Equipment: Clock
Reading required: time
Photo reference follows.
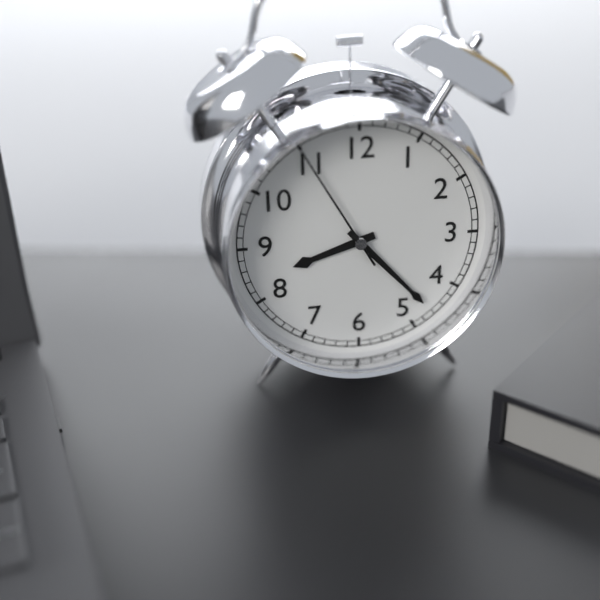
8:23:55
